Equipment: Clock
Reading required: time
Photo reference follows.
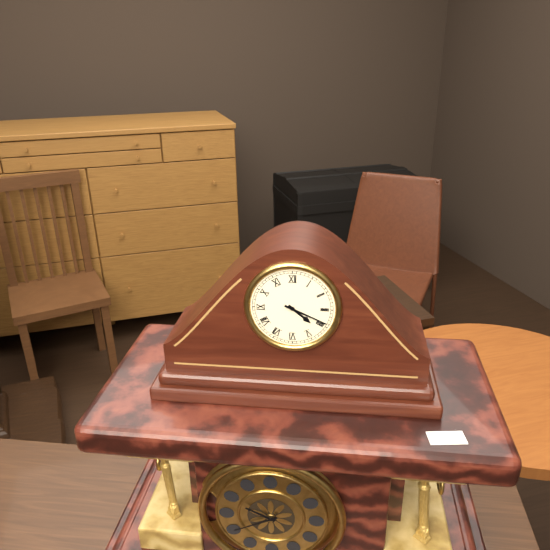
4:19
